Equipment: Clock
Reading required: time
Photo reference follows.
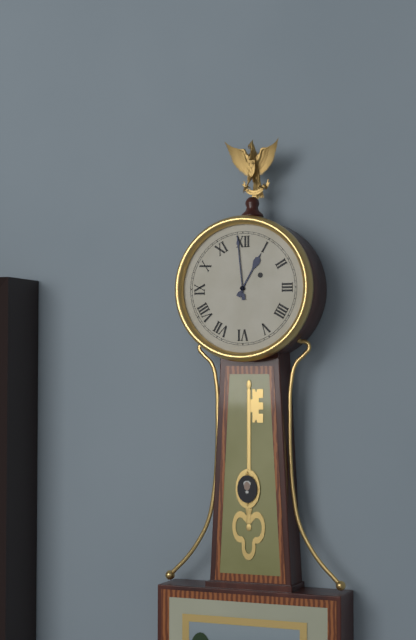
12:59
